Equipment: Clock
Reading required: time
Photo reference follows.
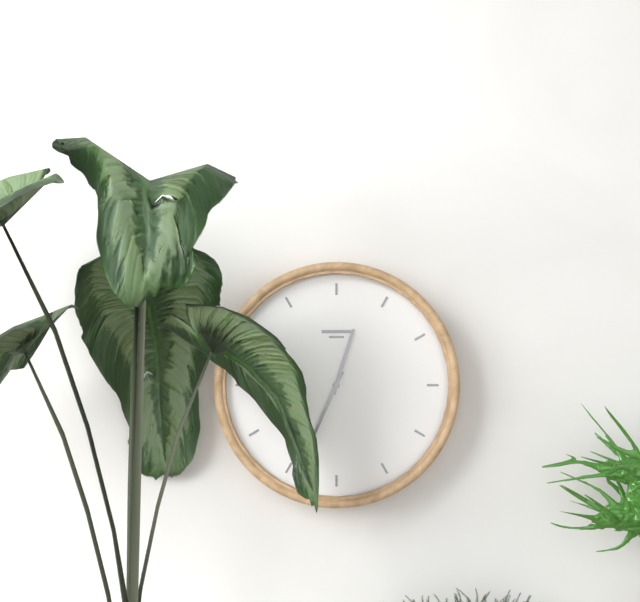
12:34
